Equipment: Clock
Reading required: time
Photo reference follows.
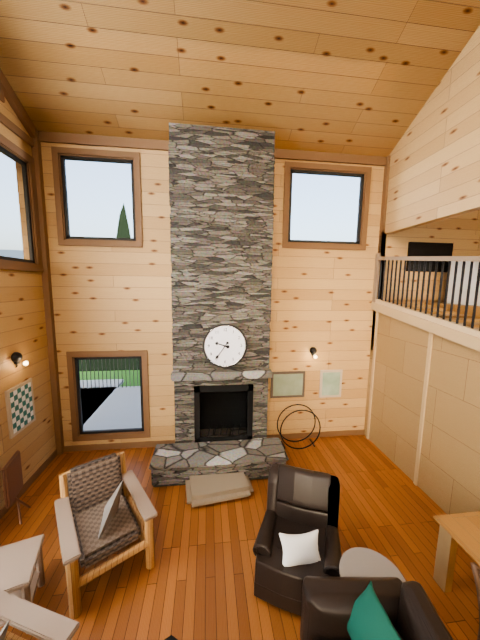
9:36
